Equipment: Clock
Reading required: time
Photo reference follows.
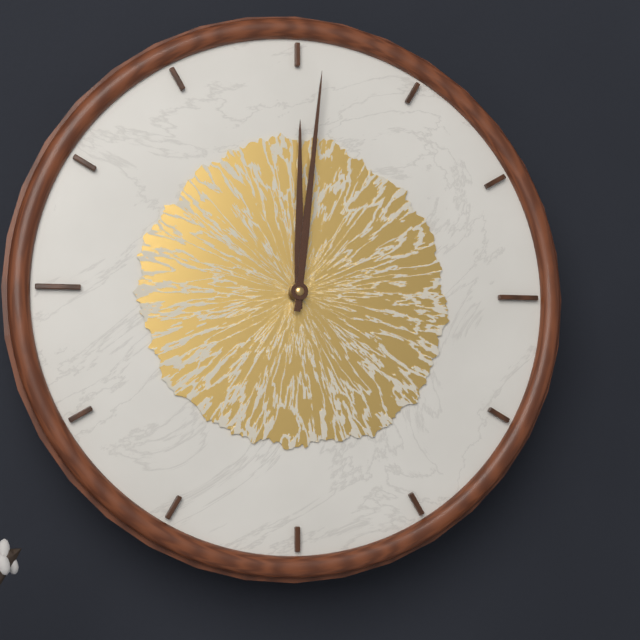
12:01
